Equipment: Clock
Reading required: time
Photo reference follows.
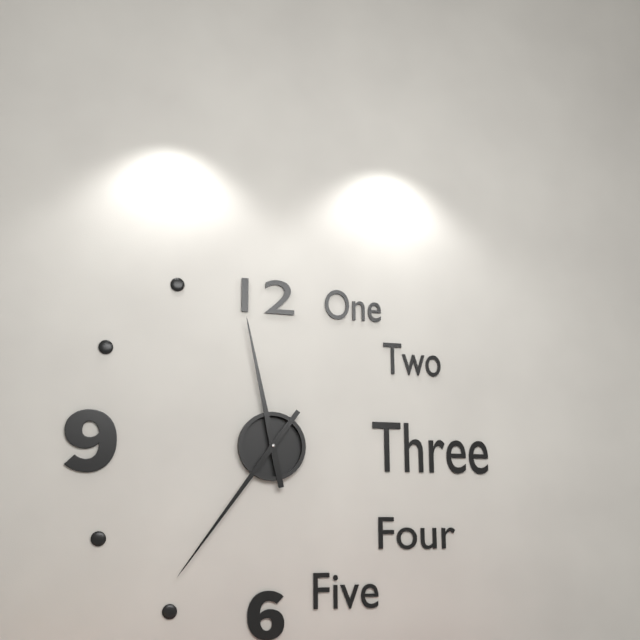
11:36
